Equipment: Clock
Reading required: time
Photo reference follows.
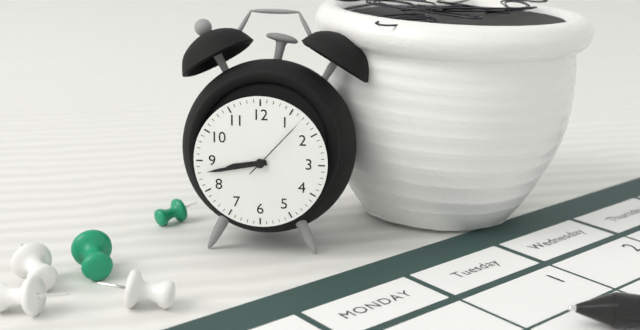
8:43:07
